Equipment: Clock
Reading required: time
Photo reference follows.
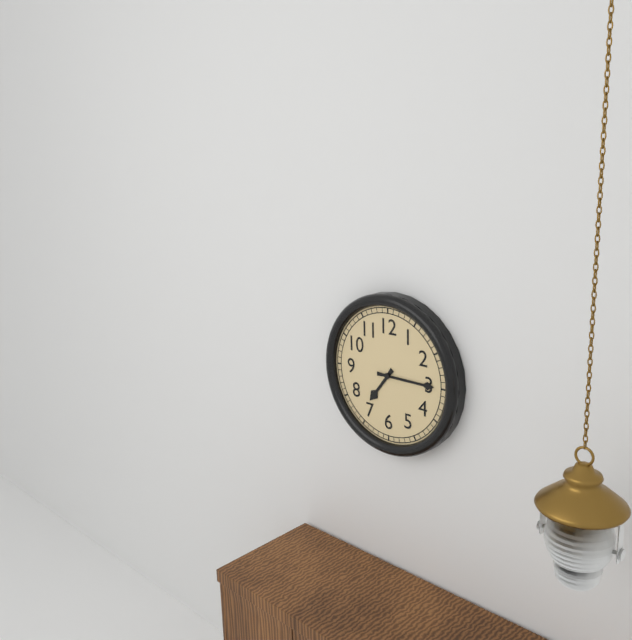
7:15
